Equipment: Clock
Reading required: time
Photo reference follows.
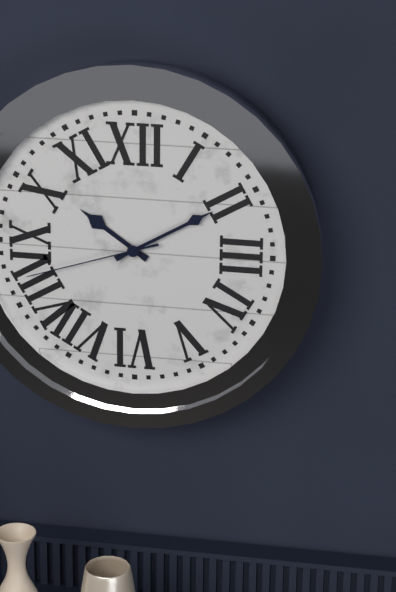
10:10:42
